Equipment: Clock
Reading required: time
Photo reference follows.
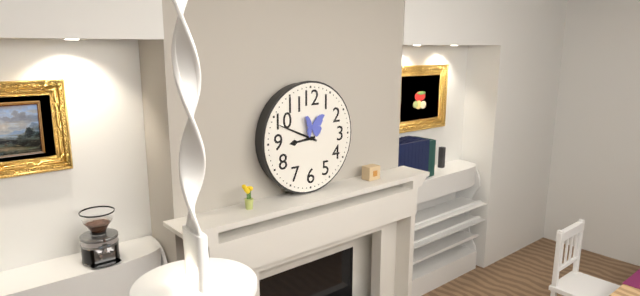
8:49
